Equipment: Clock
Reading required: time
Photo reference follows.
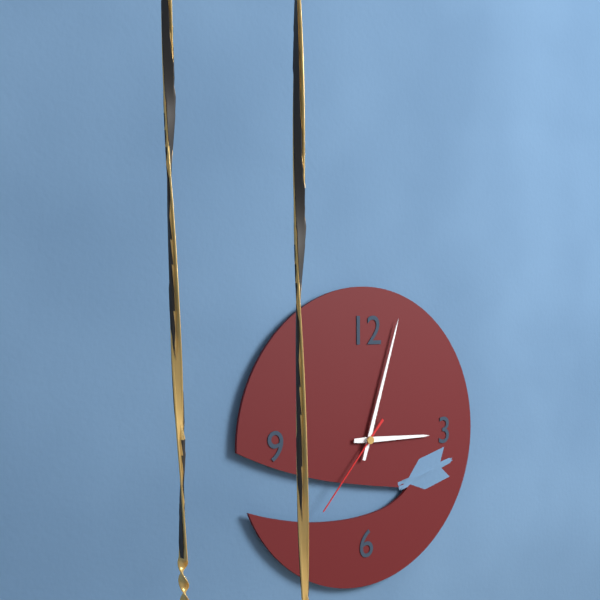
3:03:37
